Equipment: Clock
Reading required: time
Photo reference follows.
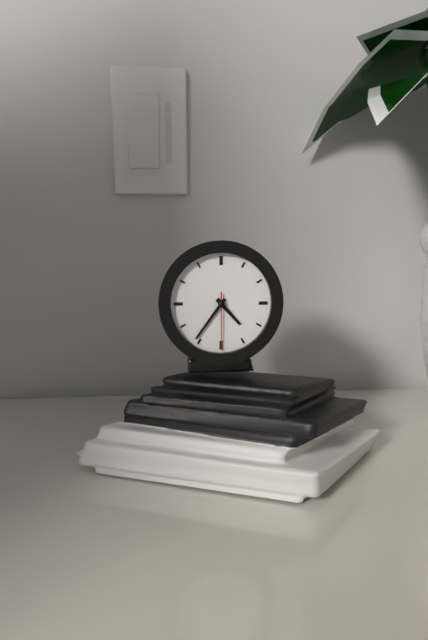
4:36:30
